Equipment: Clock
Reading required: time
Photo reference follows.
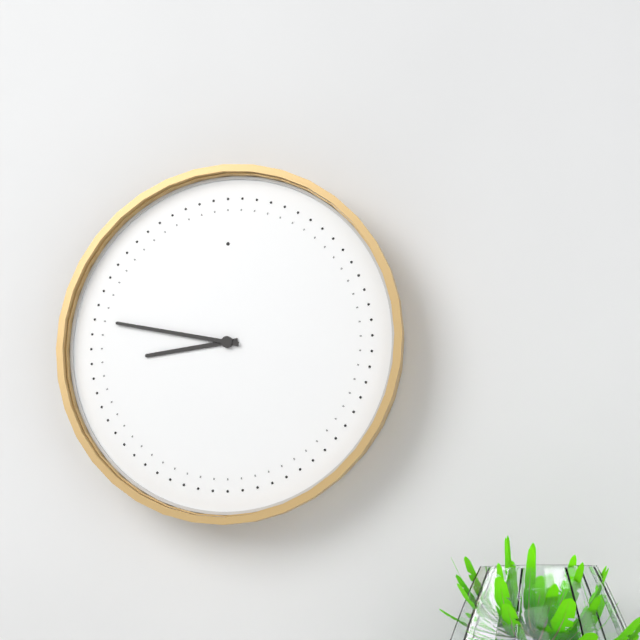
8:47
